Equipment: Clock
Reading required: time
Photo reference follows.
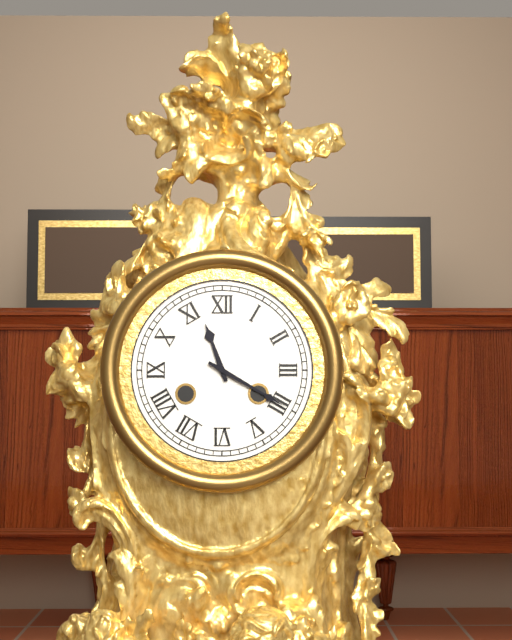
11:20
